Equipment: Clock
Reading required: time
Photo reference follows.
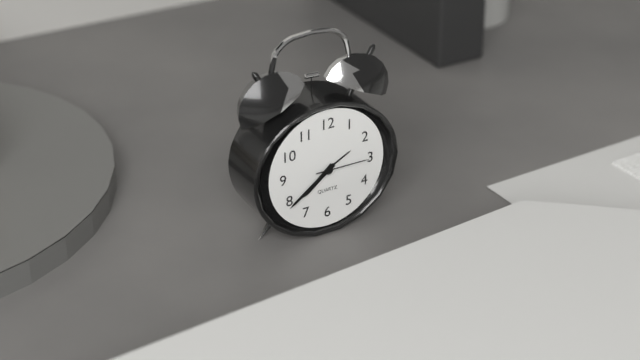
7:39:15
